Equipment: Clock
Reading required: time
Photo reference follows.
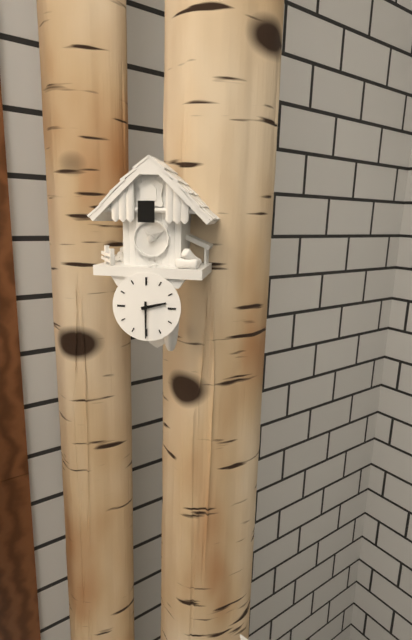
2:30
